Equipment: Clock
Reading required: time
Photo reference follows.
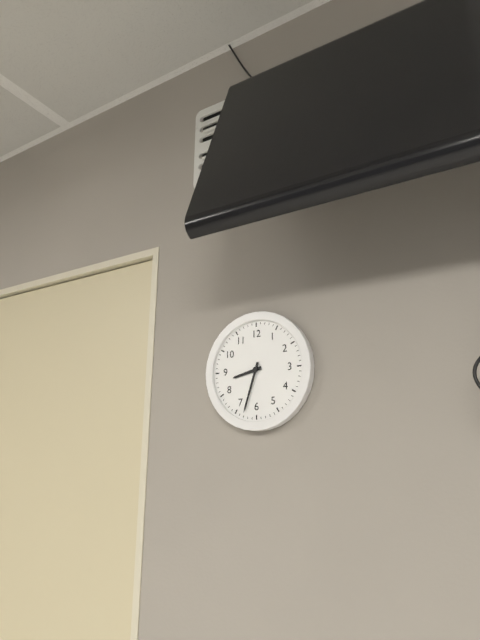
8:33
